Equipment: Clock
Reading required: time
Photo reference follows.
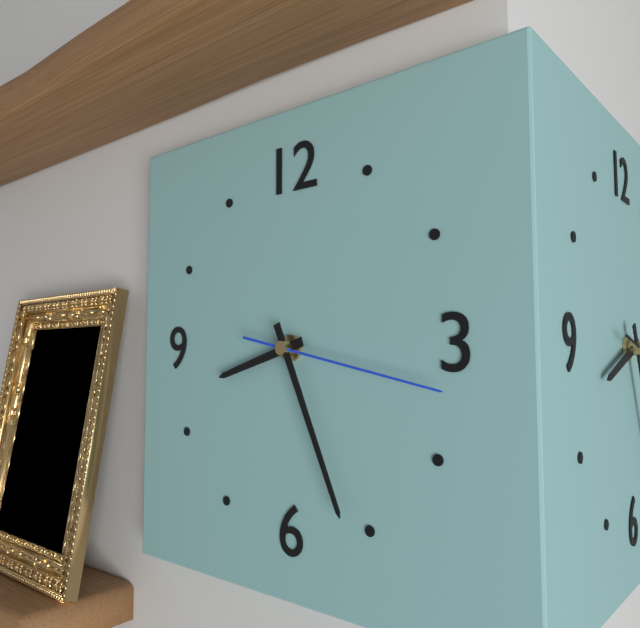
8:26:17
